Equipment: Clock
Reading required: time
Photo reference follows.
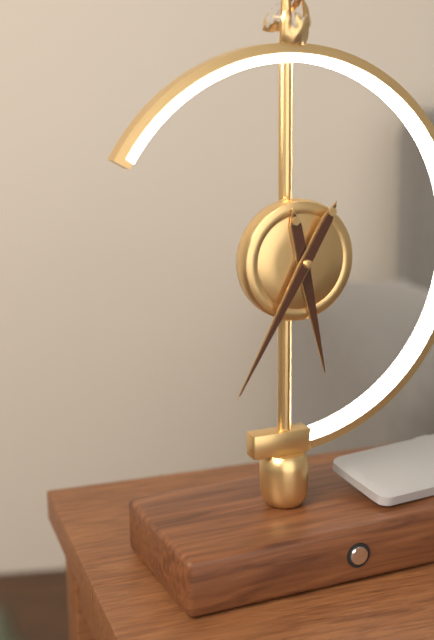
5:35
